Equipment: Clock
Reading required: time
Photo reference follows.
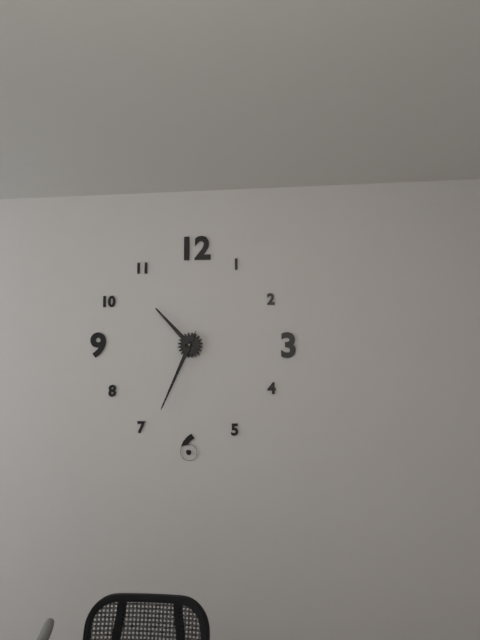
10:34
